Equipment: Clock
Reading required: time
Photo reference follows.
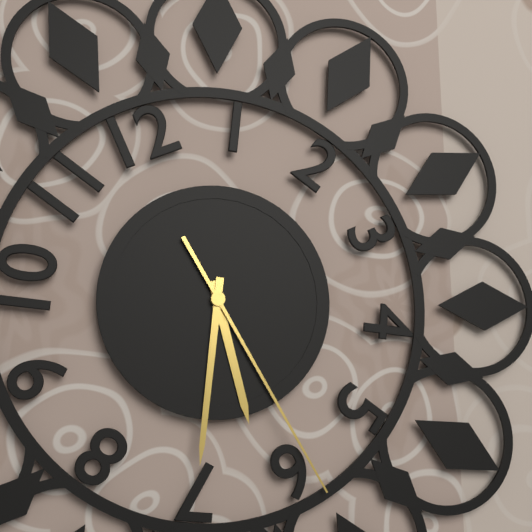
5:31:25
